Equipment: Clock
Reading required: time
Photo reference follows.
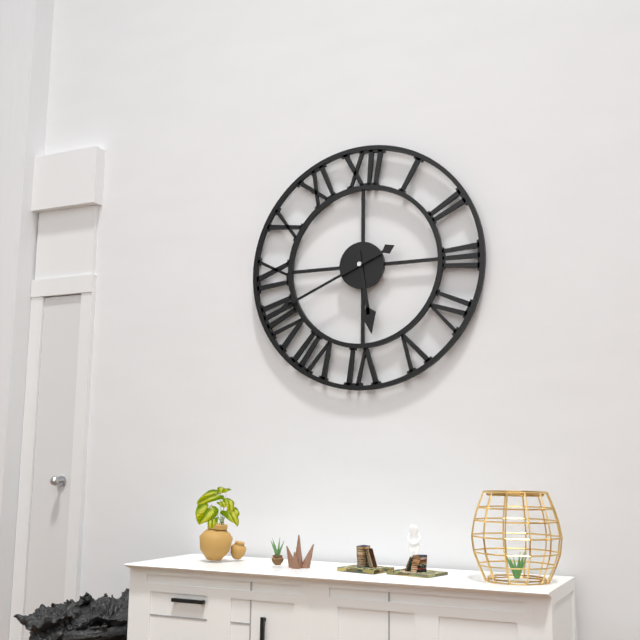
5:41
